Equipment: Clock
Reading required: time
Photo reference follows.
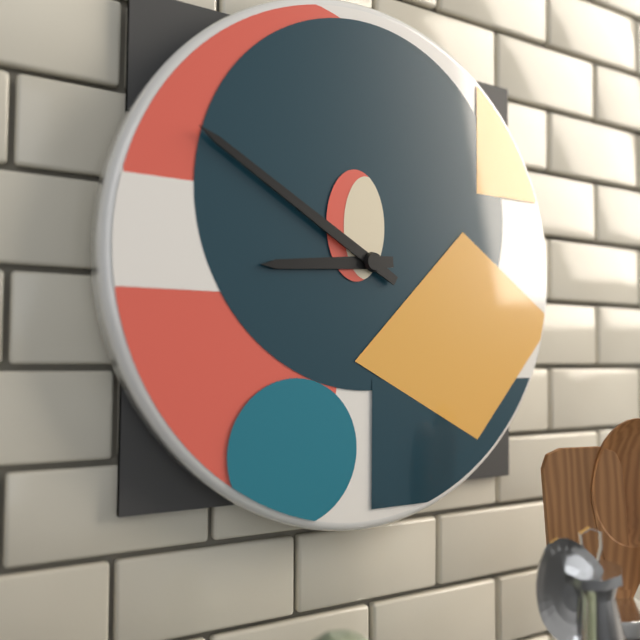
8:50
